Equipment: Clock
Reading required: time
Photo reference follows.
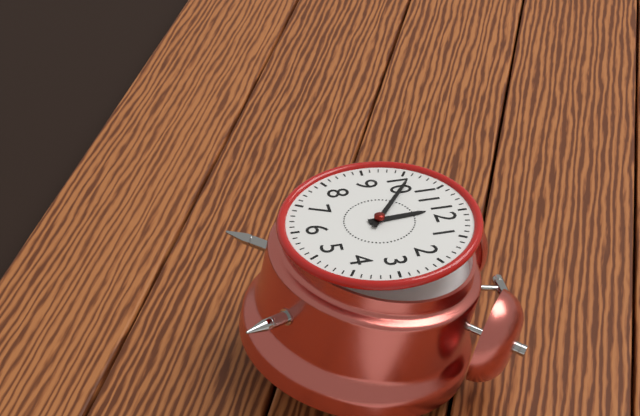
11:51
